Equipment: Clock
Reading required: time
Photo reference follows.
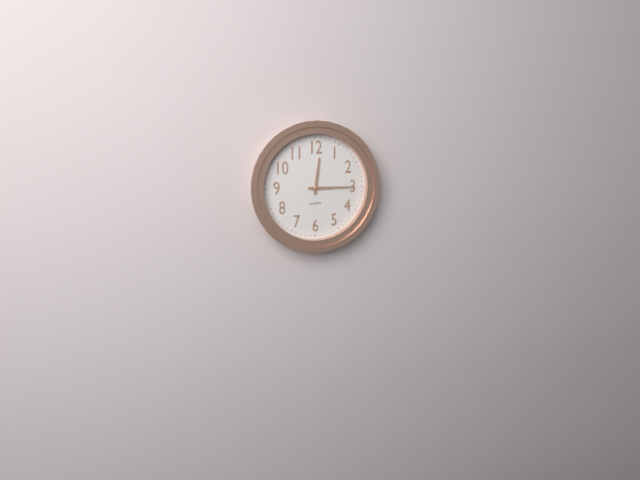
12:15
